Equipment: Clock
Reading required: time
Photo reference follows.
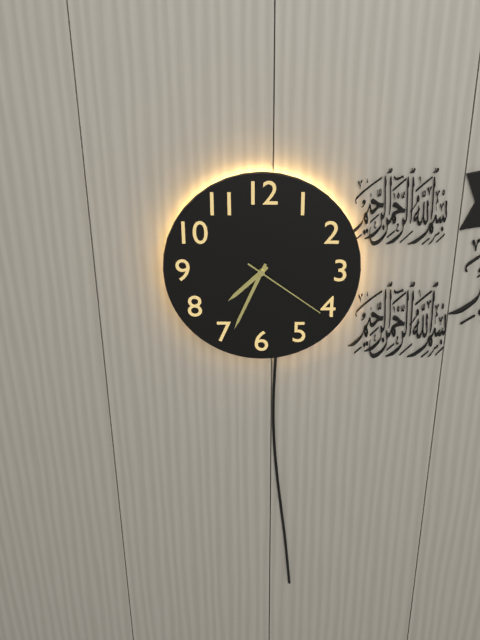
7:34:21
